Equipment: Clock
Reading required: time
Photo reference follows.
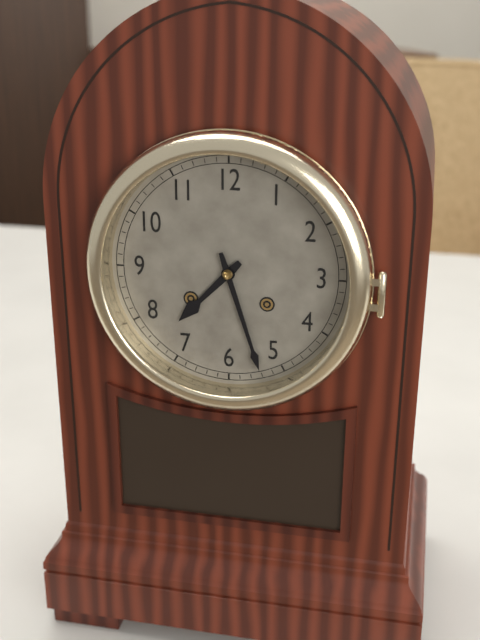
7:27
